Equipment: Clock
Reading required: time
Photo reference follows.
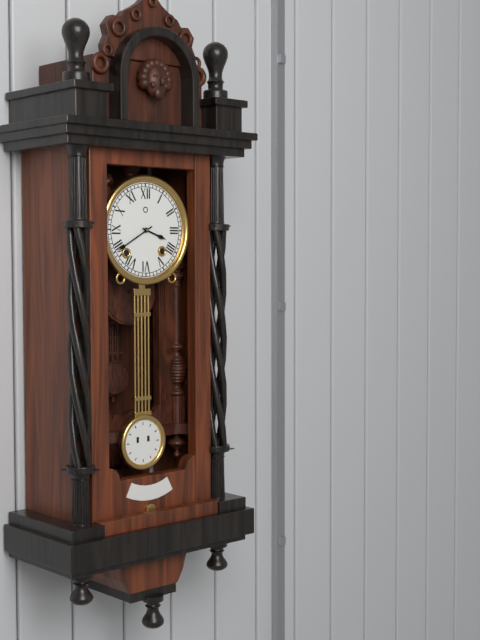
3:40
